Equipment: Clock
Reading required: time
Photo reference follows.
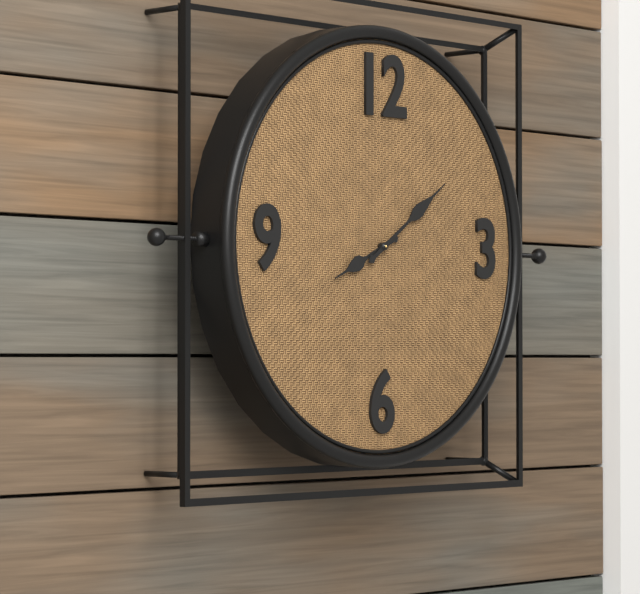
8:09
